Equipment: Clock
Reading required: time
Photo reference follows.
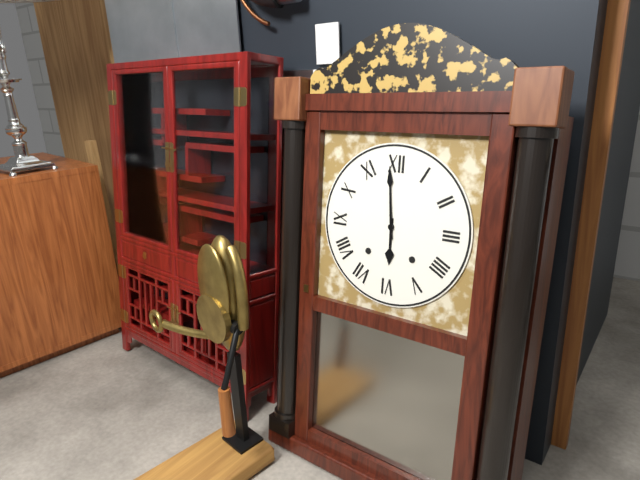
5:59
